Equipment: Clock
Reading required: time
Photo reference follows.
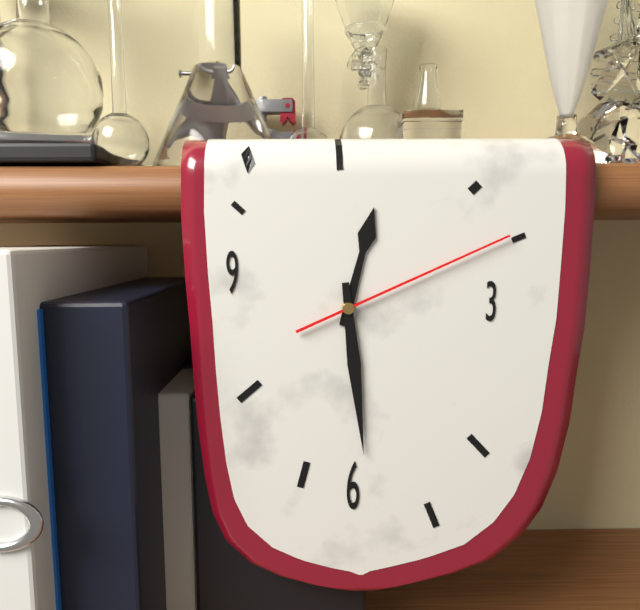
12:29:11
